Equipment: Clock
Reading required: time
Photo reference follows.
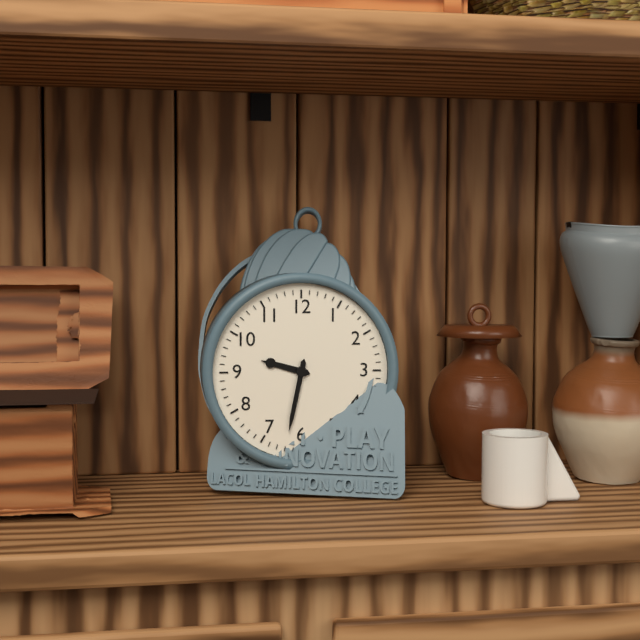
9:32
